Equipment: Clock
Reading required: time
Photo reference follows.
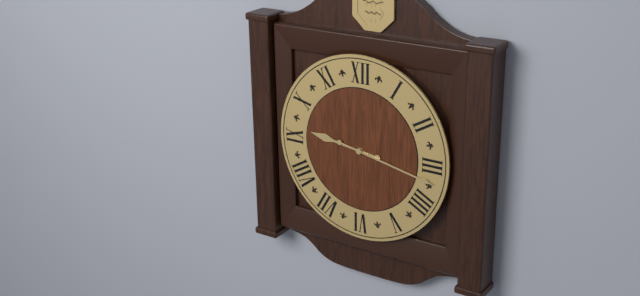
9:17
